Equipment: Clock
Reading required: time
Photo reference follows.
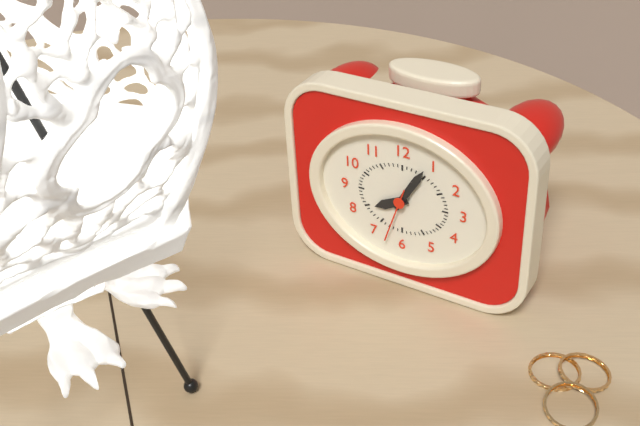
8:05:33
